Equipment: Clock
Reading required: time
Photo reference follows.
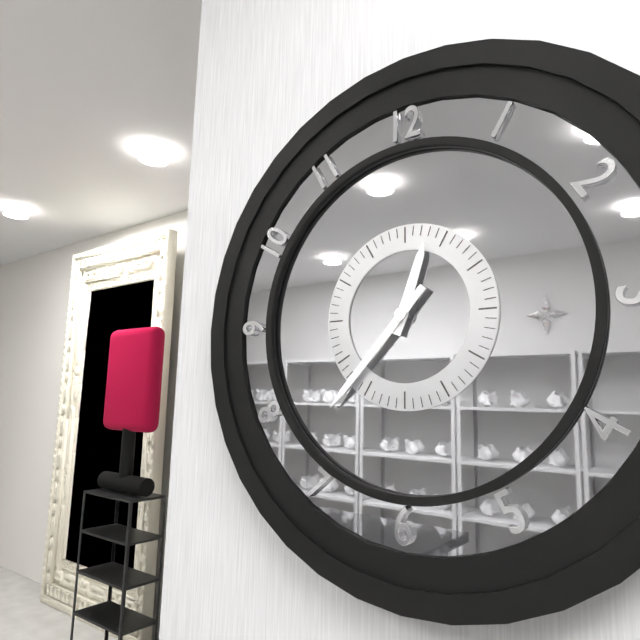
12:37
